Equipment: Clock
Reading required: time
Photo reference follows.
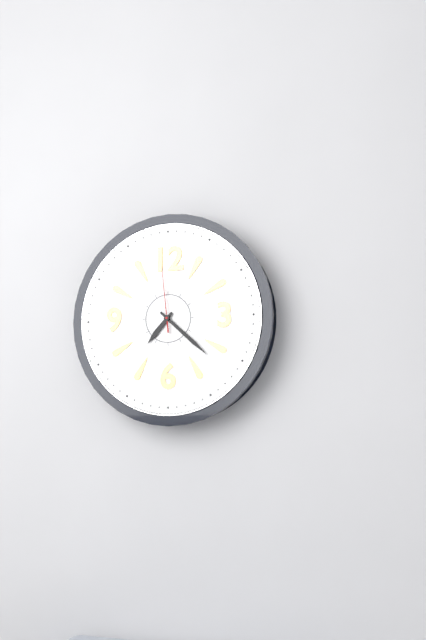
7:22:59
